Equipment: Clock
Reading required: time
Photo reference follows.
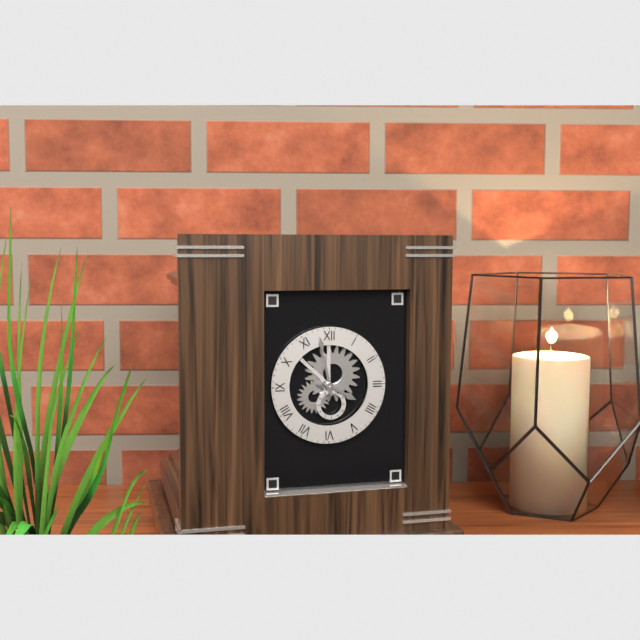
3:58
